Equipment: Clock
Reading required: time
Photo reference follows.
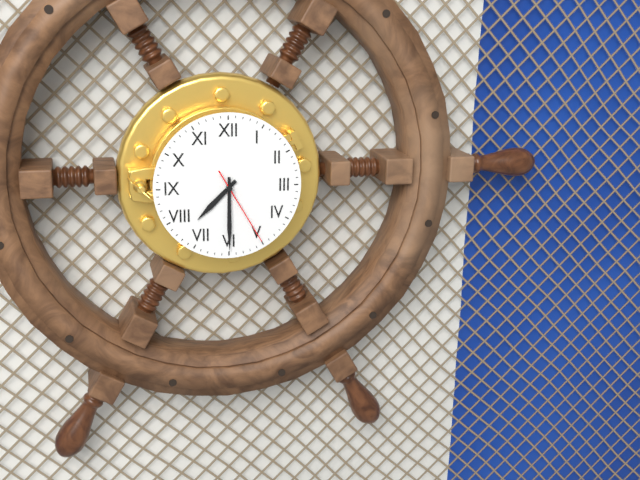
7:30:25
